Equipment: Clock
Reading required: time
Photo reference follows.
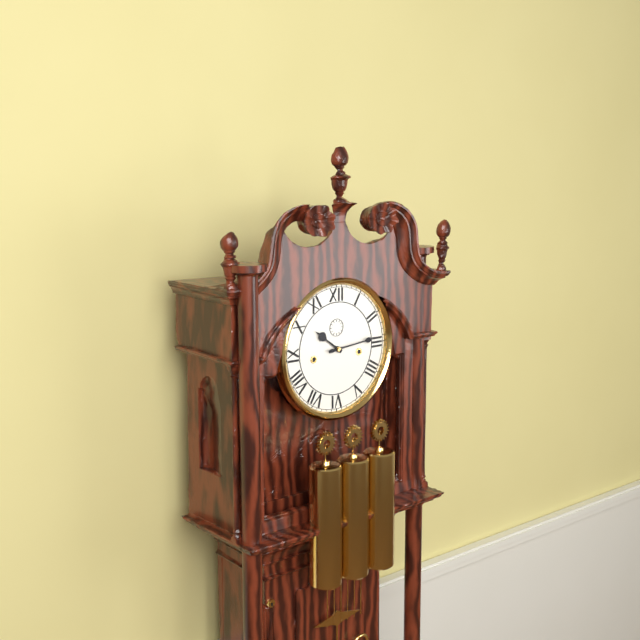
10:14
